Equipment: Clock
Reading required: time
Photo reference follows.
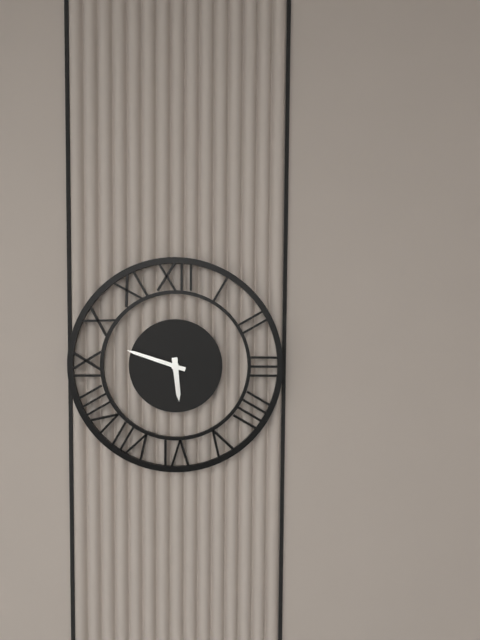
5:48
